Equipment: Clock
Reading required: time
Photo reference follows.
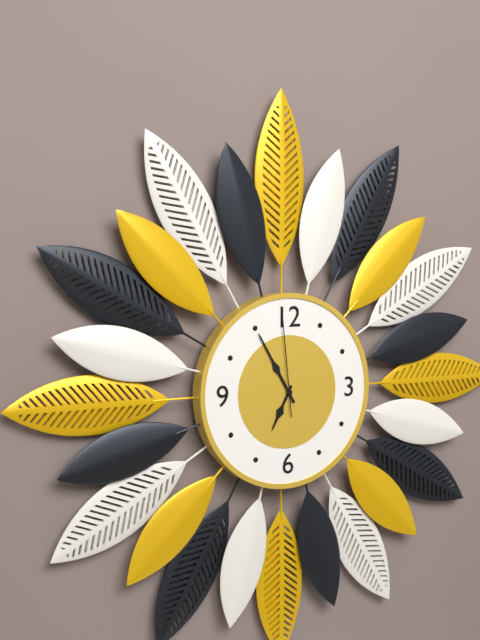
6:55:59
